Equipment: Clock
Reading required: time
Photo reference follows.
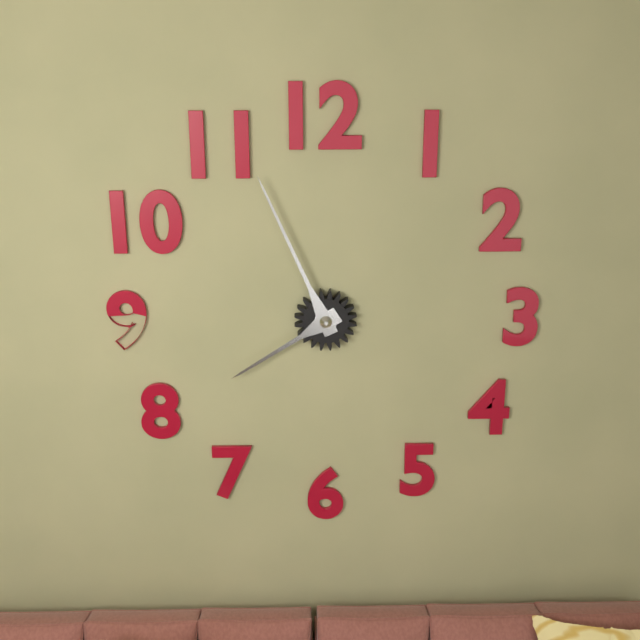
7:56
